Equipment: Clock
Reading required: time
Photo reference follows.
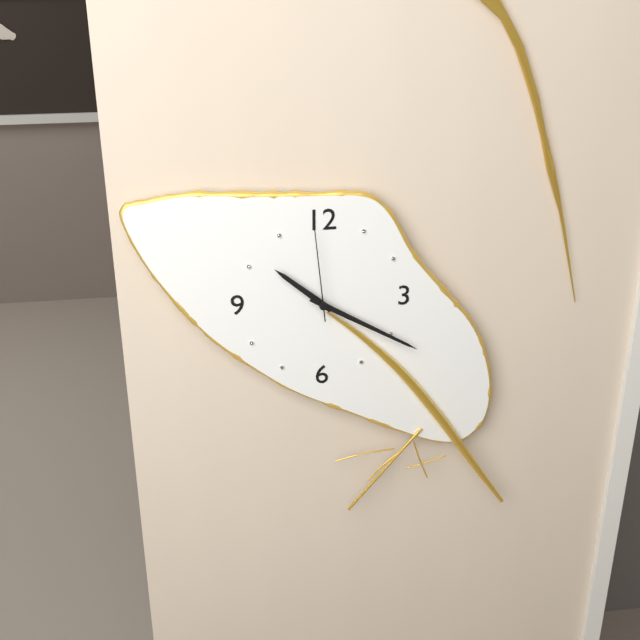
10:20:59
